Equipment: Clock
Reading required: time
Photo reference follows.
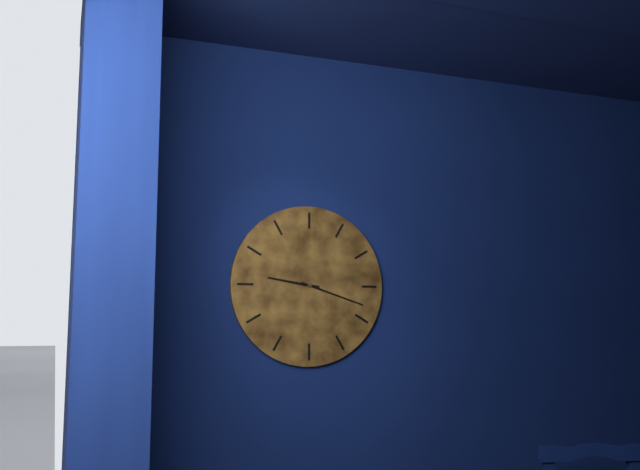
9:18
